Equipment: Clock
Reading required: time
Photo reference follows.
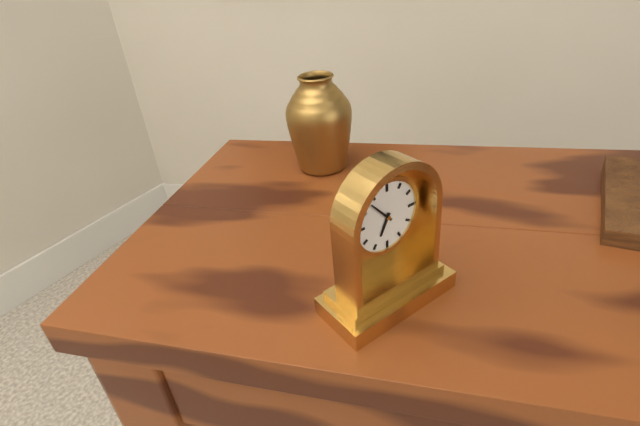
6:53
